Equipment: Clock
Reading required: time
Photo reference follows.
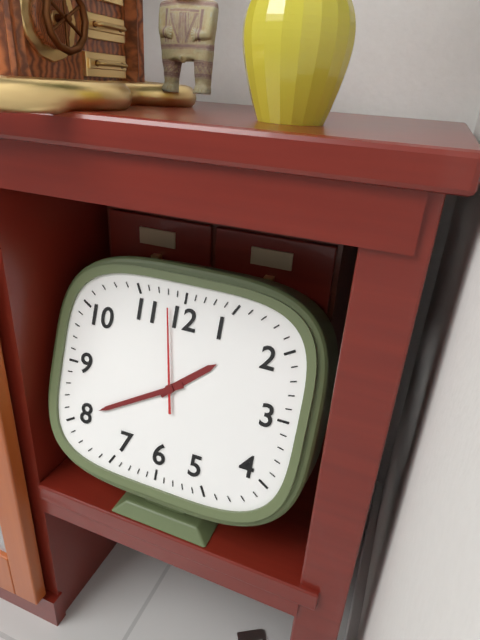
1:40:58
